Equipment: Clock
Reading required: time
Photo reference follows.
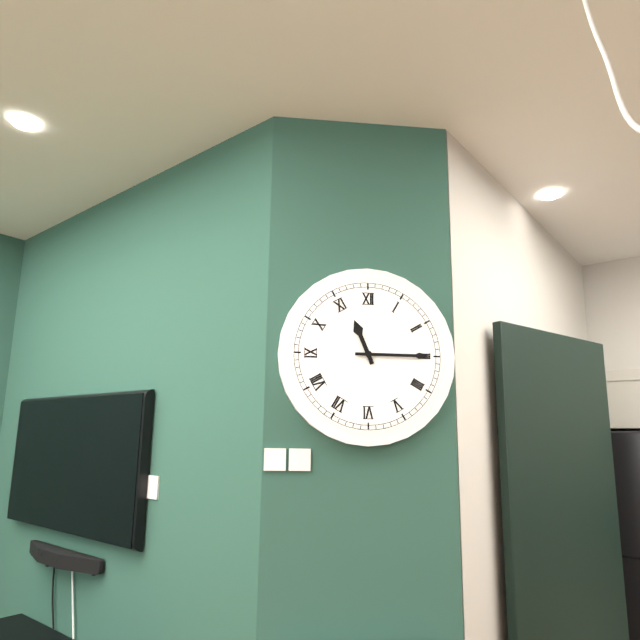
11:15
